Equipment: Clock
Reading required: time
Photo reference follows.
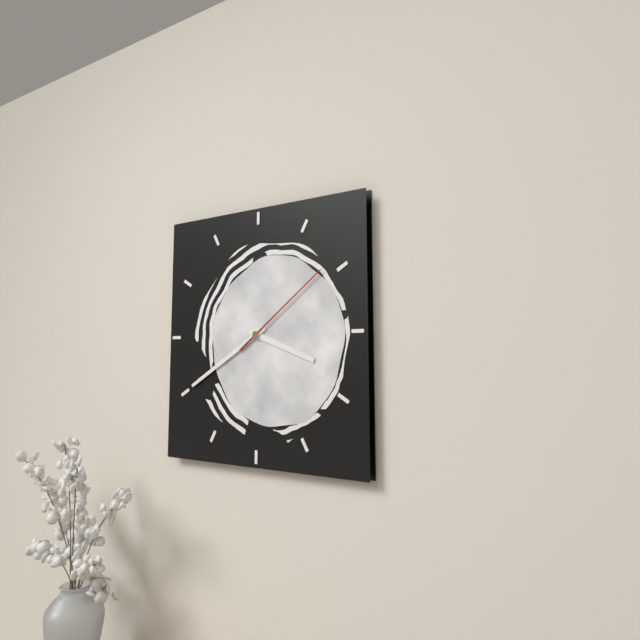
3:40:09
